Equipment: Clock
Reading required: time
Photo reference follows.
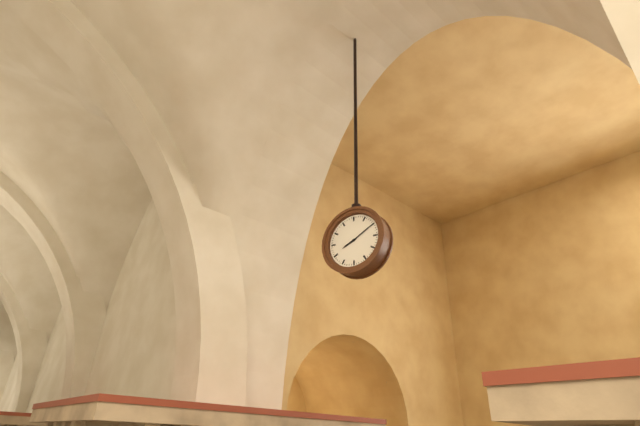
8:10
